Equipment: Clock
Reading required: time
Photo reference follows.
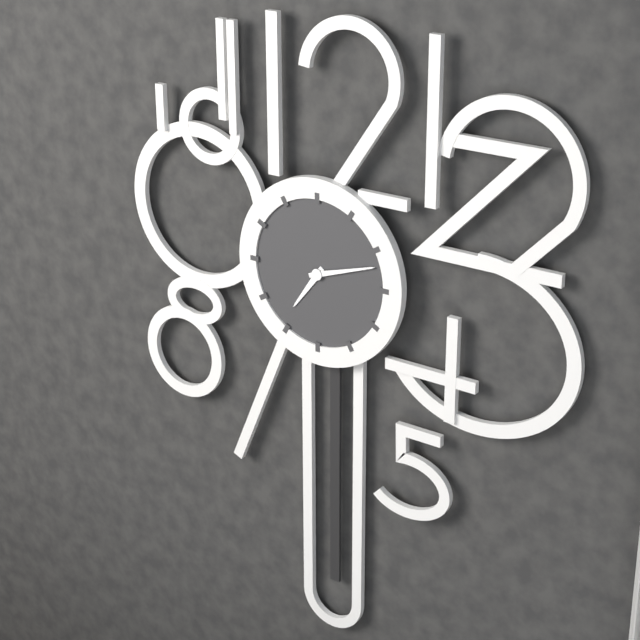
7:12
